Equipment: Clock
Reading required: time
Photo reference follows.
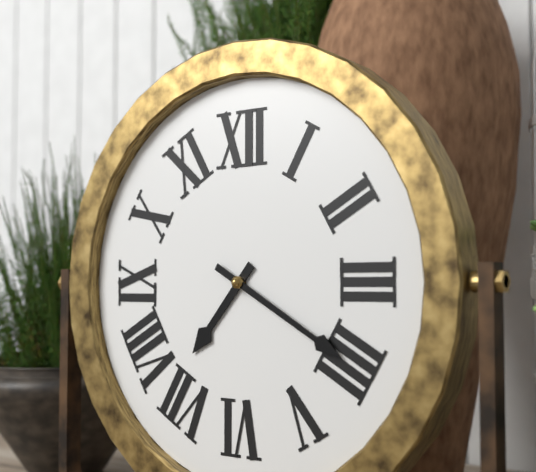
7:20
